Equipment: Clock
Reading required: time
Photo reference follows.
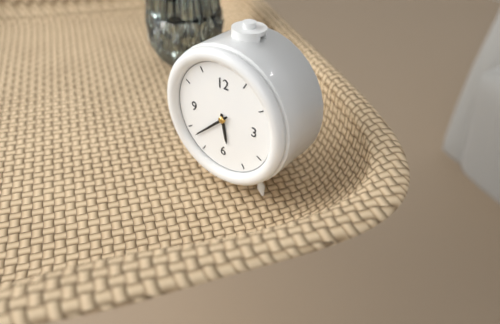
5:38
